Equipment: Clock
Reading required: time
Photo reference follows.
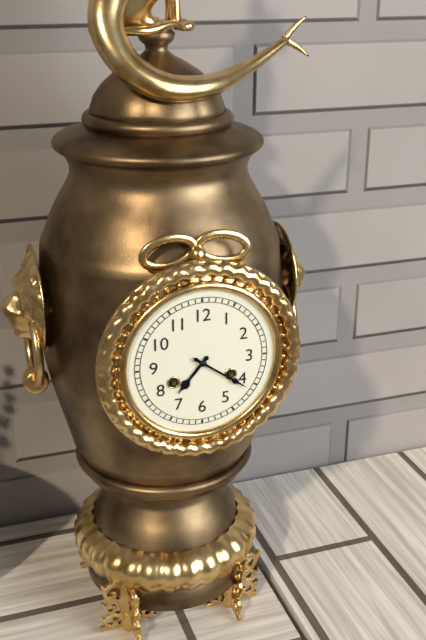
7:21
